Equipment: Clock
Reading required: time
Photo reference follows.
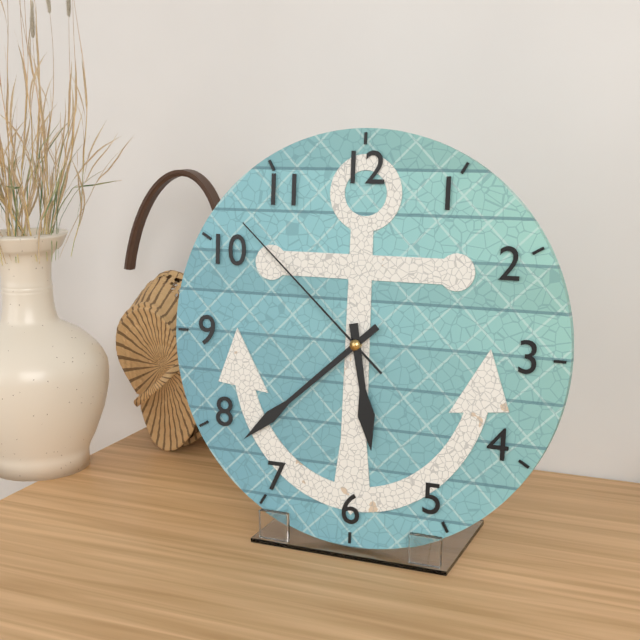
5:38:52
